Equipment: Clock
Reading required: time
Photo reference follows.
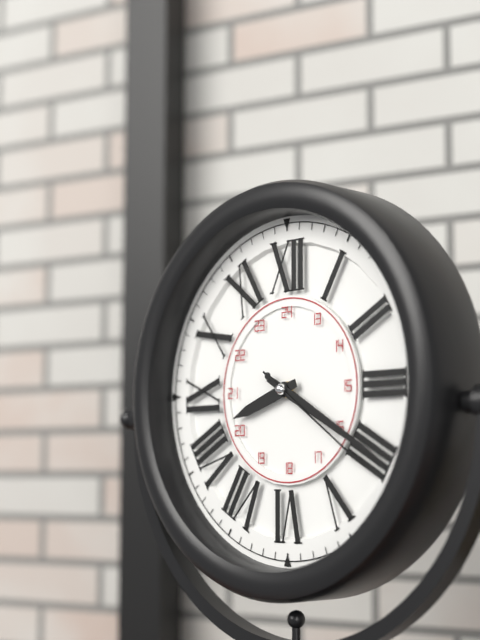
8:20:21
